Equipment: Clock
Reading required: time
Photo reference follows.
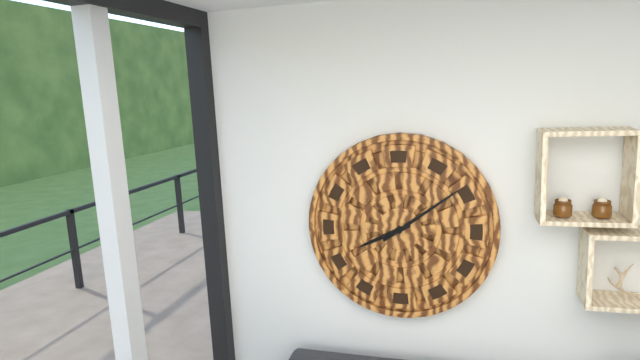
8:09
